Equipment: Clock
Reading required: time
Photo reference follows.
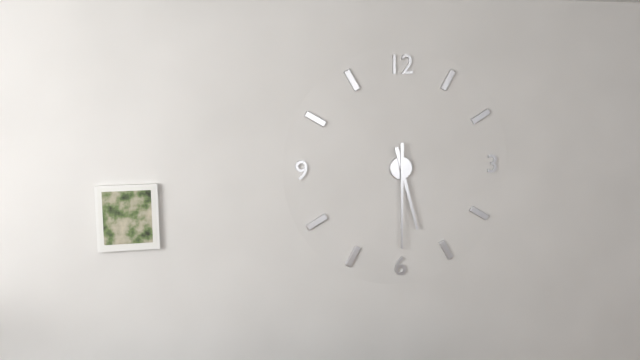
5:30
